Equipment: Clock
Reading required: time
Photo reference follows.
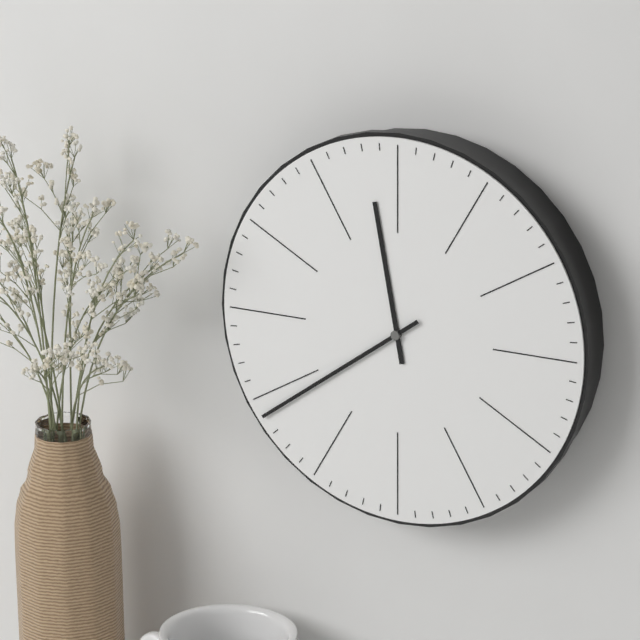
11:39
